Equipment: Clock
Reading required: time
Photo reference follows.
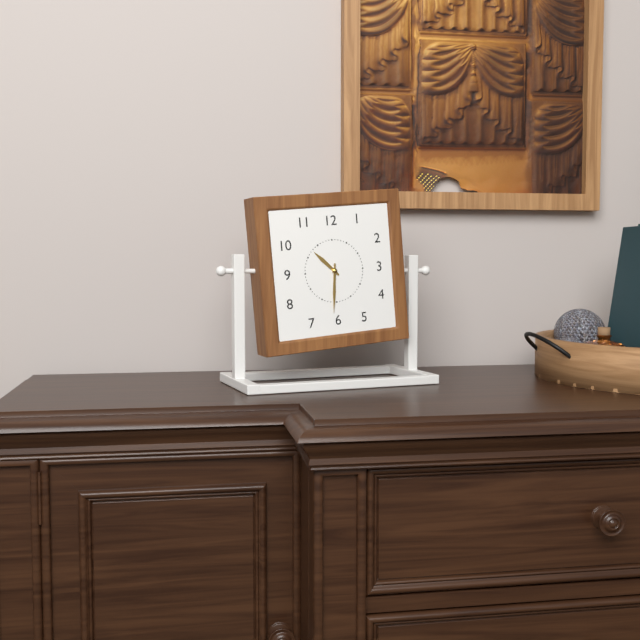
10:31
